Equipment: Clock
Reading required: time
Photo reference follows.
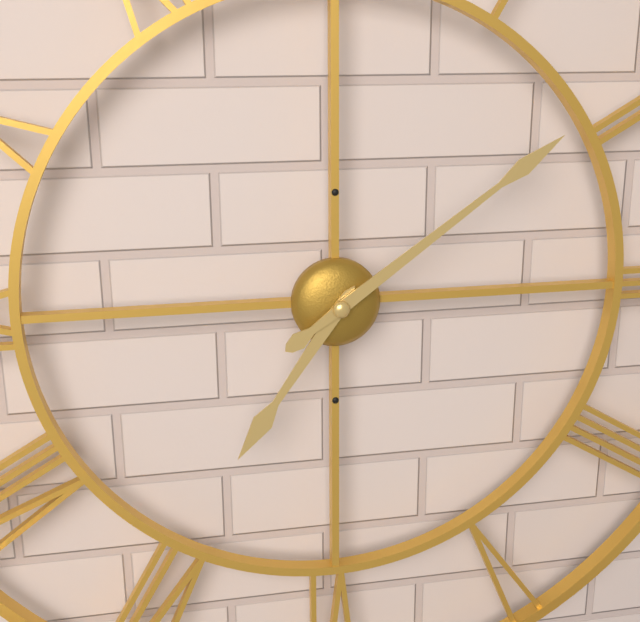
7:09
